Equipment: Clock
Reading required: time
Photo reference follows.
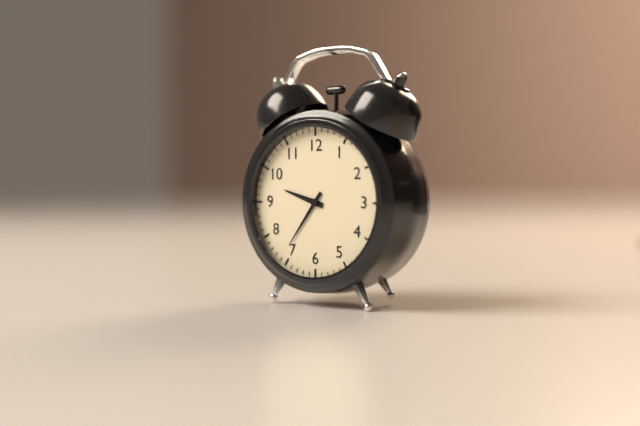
9:36
